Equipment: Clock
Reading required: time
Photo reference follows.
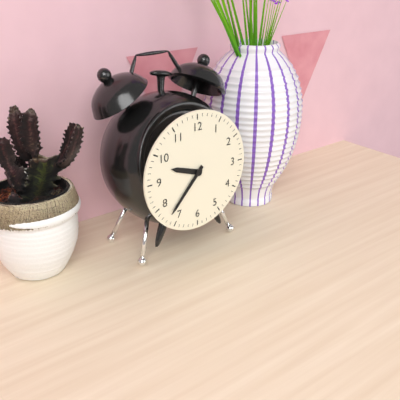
9:37
